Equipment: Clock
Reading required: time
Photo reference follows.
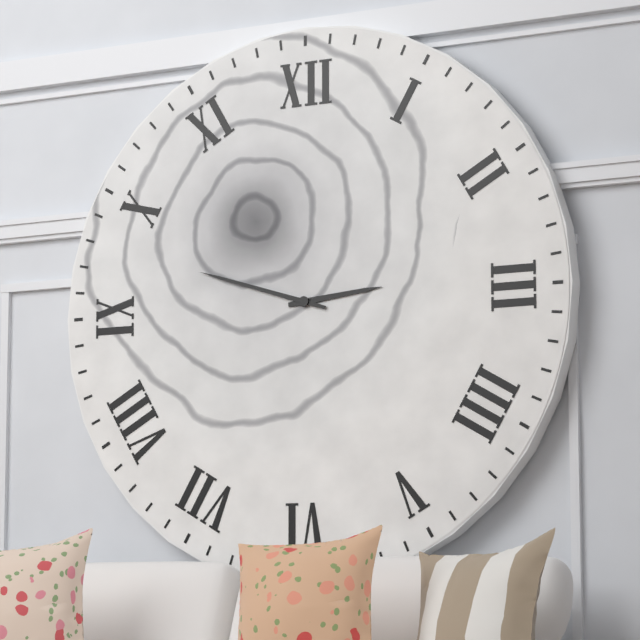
2:48
